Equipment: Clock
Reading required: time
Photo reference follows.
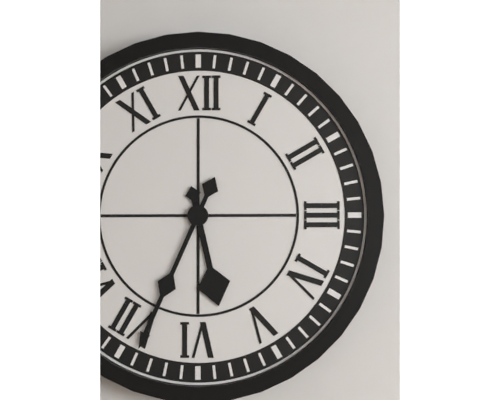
5:34
